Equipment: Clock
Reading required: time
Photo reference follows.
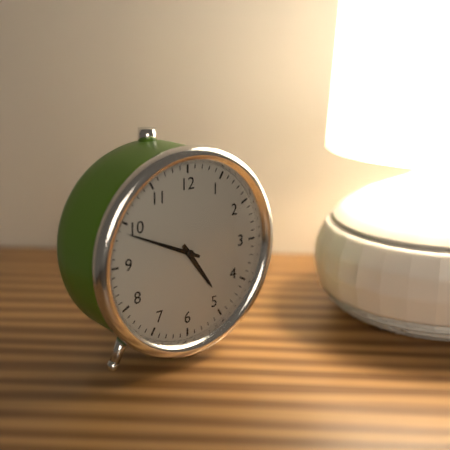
4:49
